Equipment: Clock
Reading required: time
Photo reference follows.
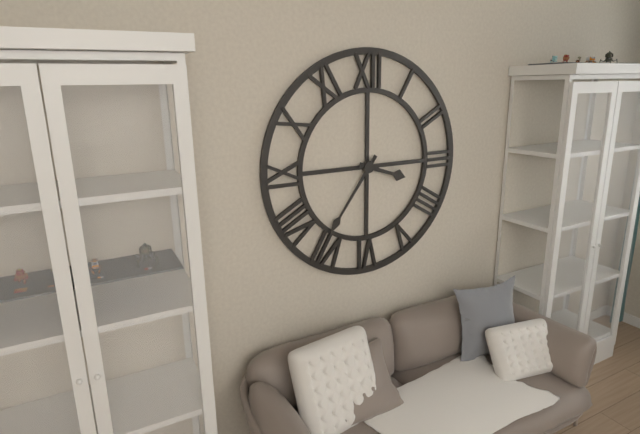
3:36
